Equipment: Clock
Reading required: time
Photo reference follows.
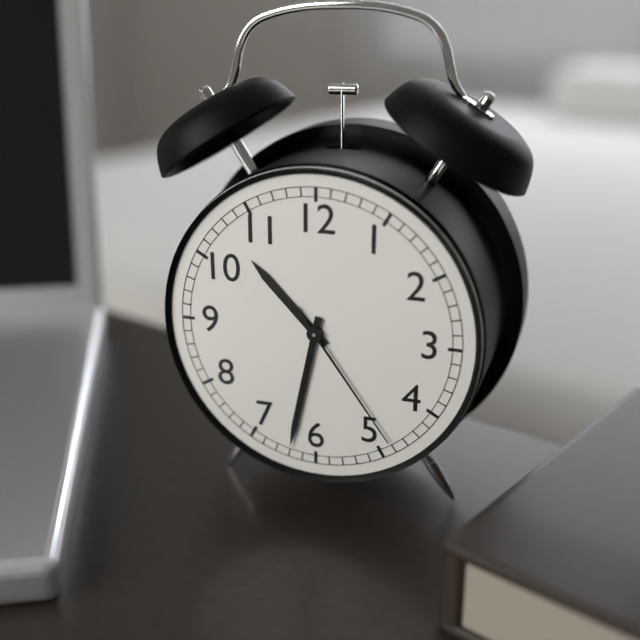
10:32:24
